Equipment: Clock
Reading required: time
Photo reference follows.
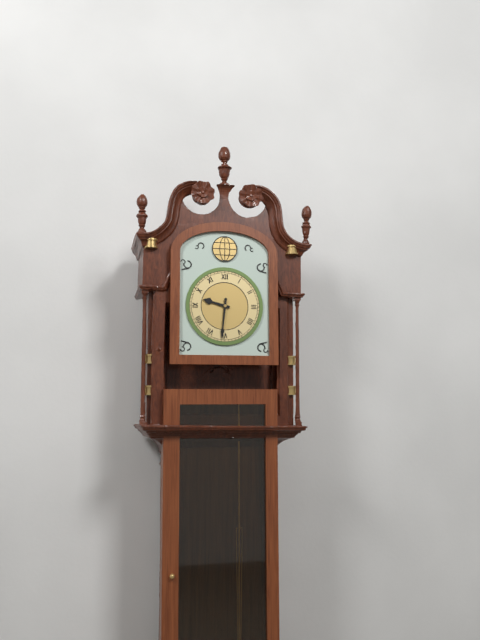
9:31
